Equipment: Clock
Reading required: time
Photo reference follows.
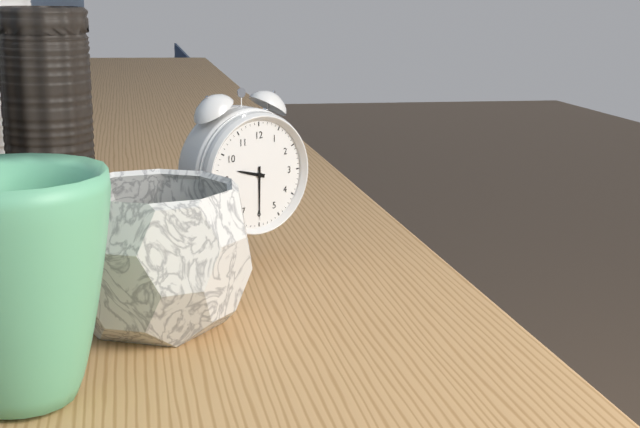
9:30
